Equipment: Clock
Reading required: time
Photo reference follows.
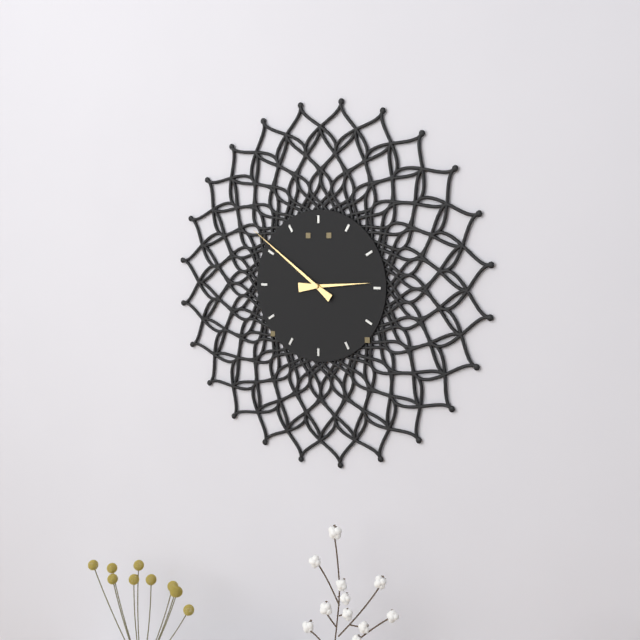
2:51
